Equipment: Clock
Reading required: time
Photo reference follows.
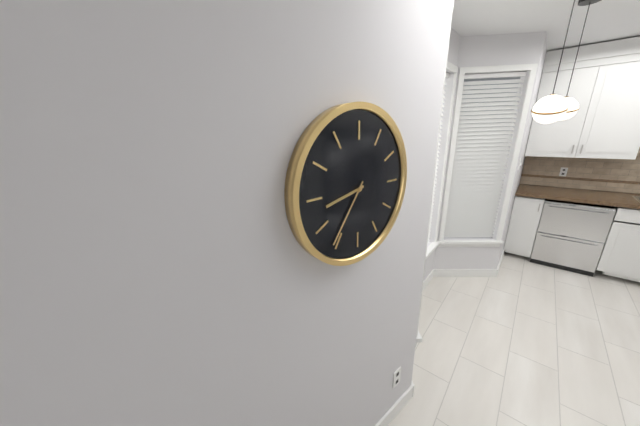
8:36
